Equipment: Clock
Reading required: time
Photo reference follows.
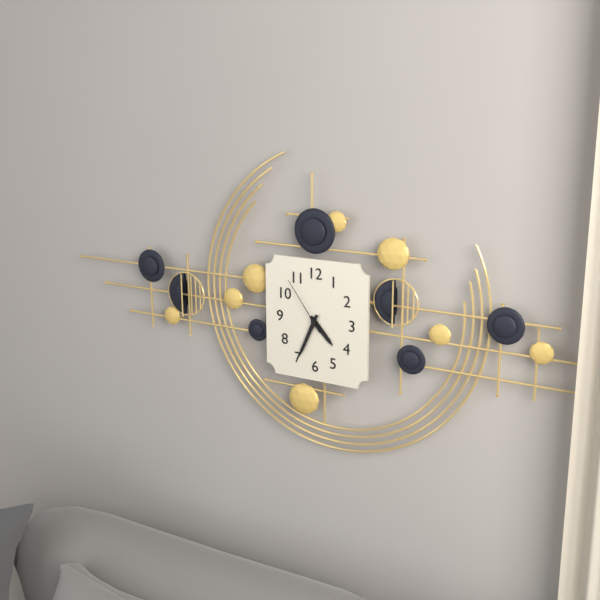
4:34:54
